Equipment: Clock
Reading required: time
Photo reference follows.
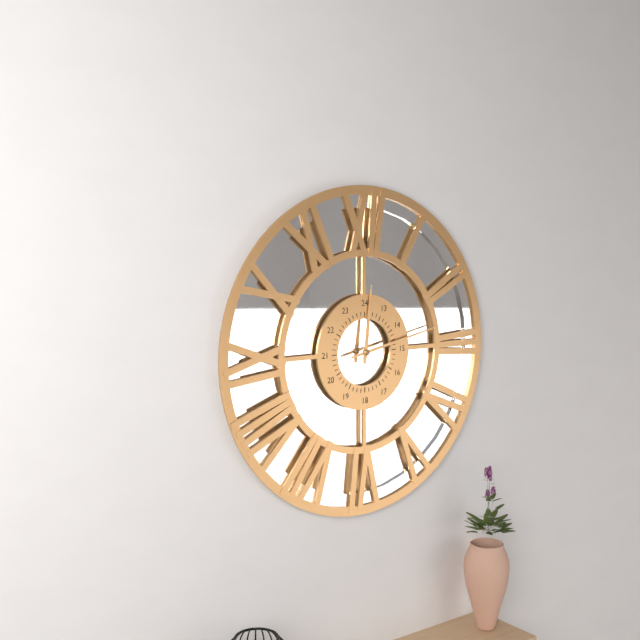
12:13
